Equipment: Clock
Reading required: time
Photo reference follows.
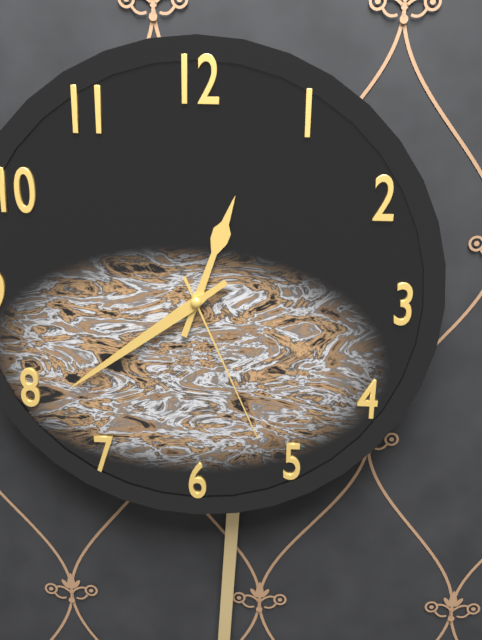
12:39:26
